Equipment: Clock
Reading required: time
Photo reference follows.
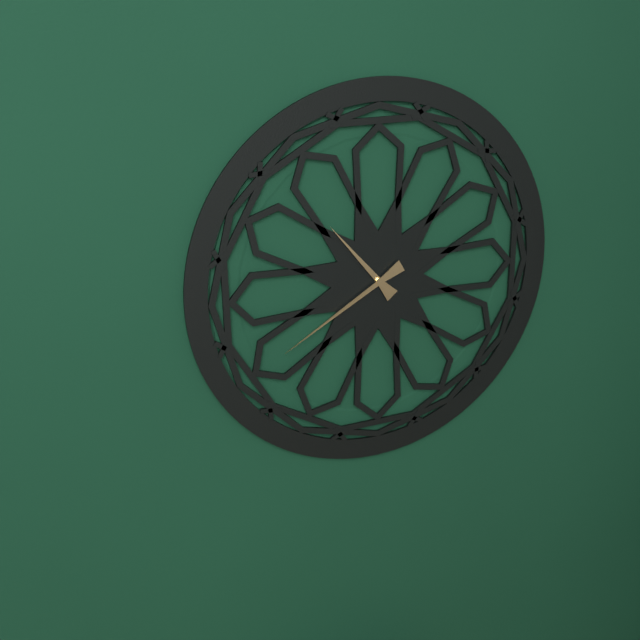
10:40
